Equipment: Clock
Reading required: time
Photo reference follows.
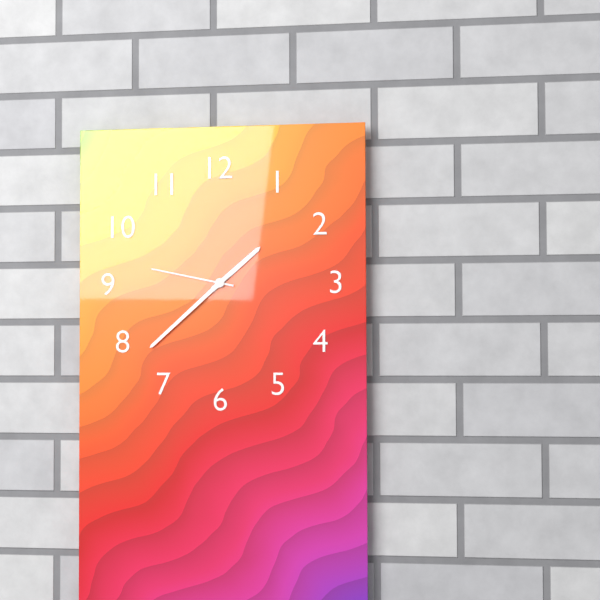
1:38:47
